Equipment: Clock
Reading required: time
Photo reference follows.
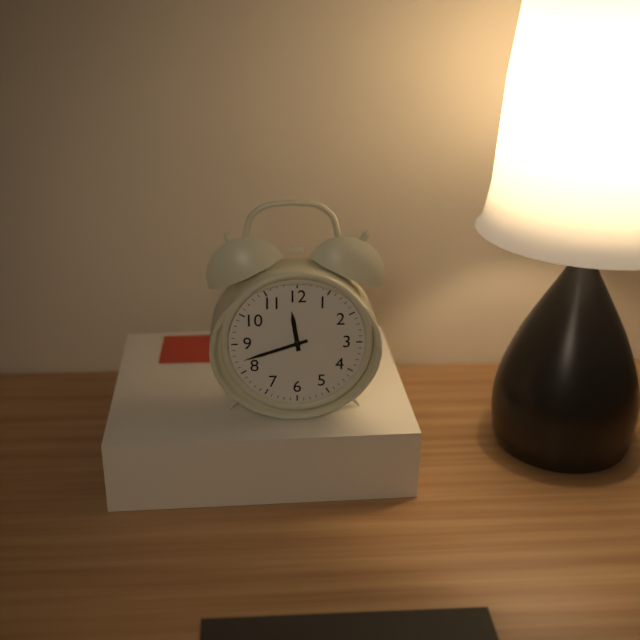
11:42
